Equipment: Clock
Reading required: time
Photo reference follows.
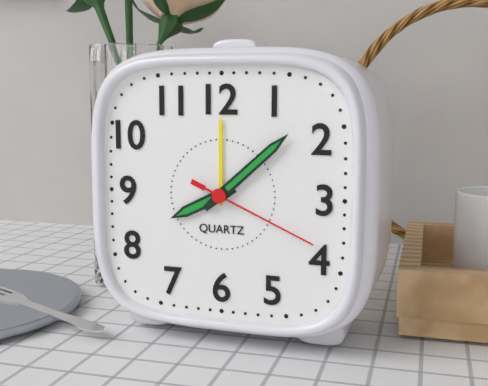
8:08:19
